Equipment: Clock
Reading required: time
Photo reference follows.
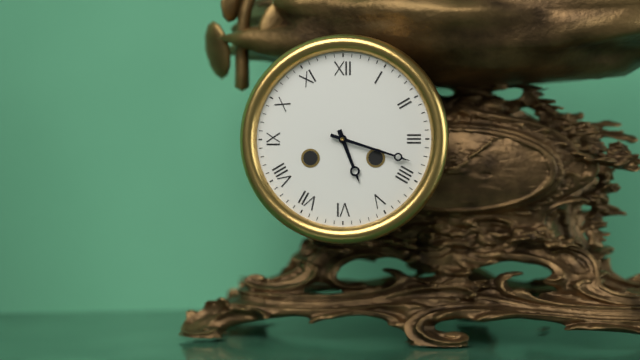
5:18
